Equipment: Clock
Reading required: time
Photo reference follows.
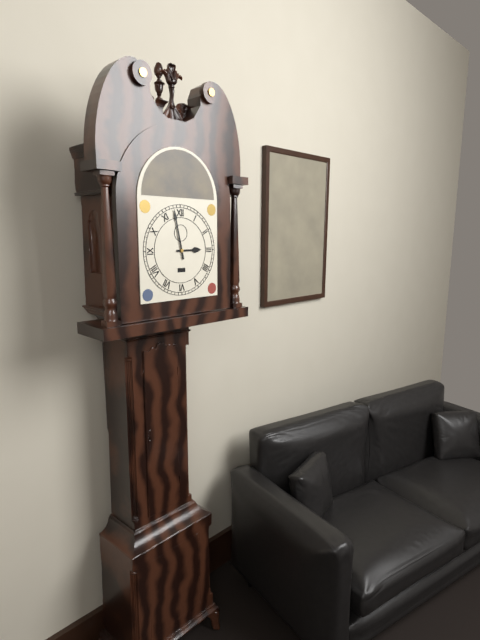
2:58
